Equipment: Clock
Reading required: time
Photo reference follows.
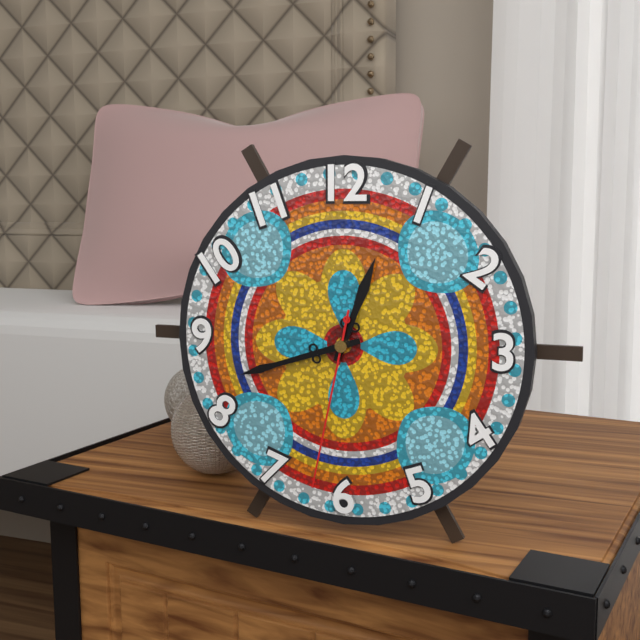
12:42:32
